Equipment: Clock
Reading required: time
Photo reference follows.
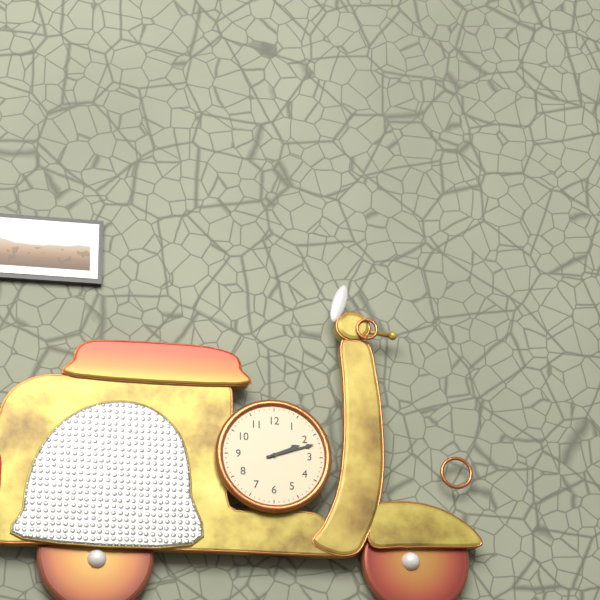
2:12
